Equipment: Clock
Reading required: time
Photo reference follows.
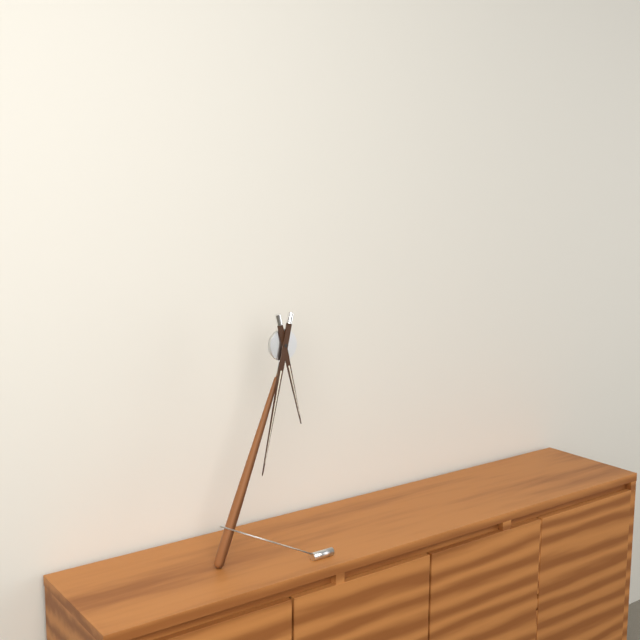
5:32
